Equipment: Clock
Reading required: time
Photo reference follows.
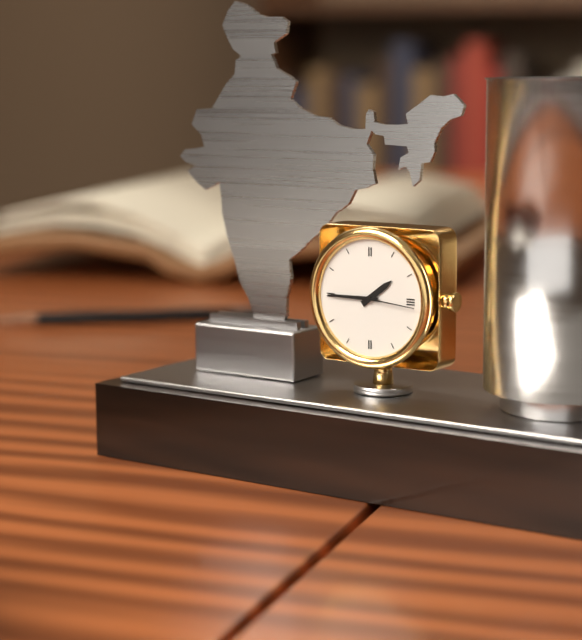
1:45:16
